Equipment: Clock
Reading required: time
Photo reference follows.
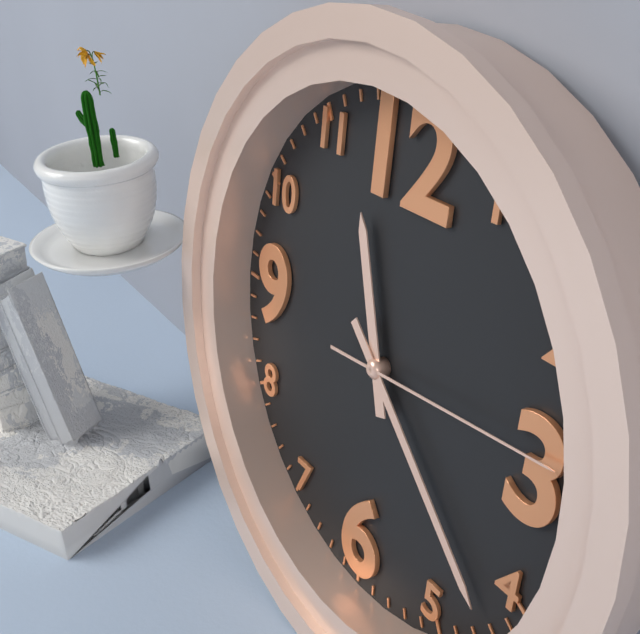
11:22:14
